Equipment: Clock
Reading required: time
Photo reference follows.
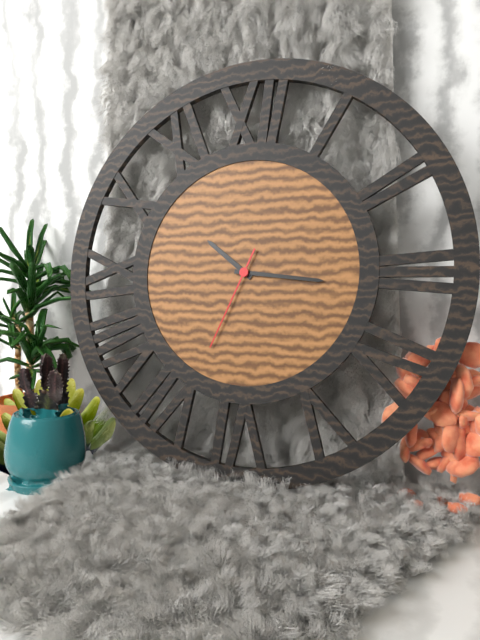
10:16:34
